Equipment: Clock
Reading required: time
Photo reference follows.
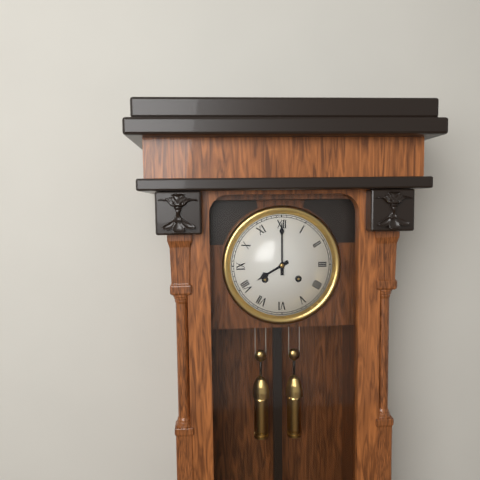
8:00
